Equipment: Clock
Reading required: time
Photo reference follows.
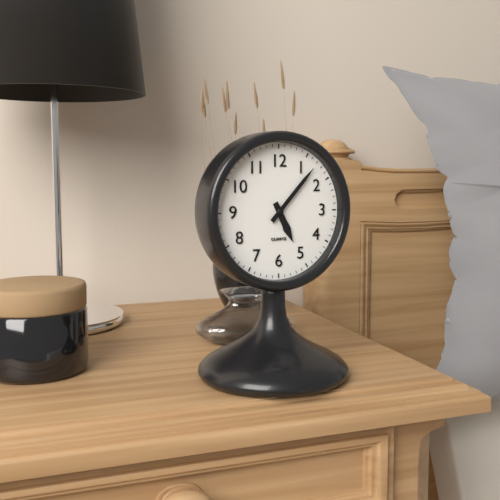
5:07
